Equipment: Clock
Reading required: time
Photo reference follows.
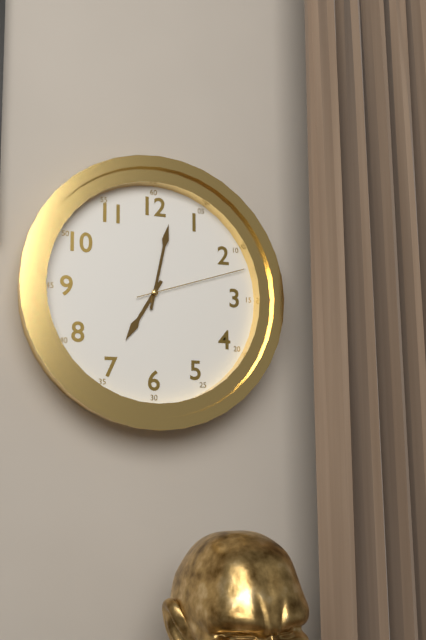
7:02:12
